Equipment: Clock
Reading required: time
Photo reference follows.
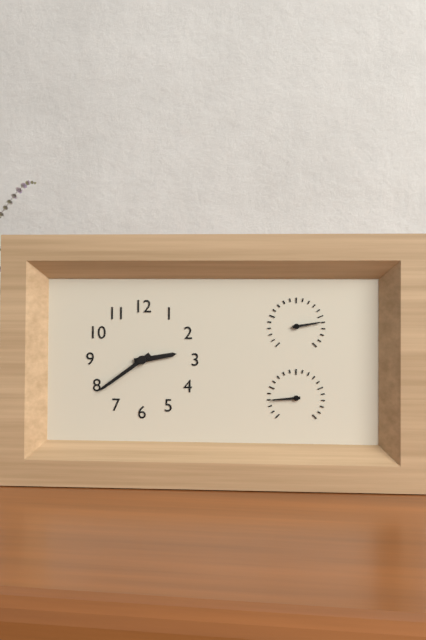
2:39
